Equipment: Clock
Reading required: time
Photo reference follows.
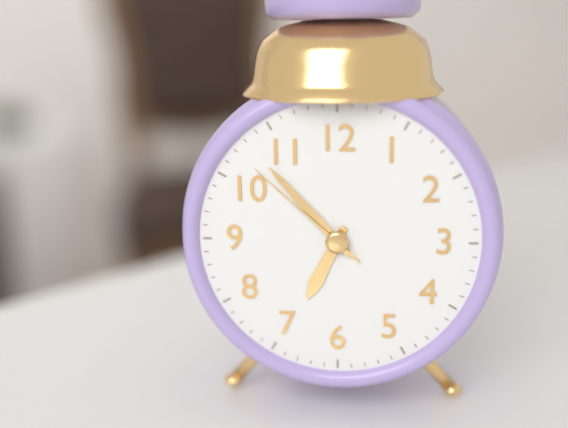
6:53:52
